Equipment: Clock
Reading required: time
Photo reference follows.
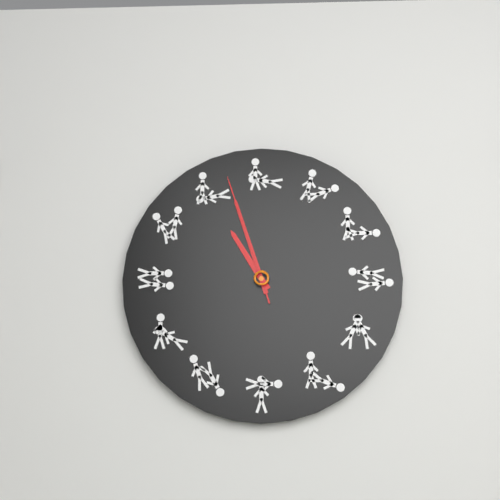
10:57:57
